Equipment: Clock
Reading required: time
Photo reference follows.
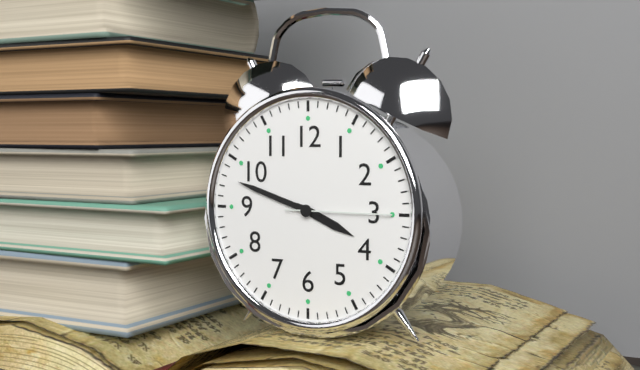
3:48:15
